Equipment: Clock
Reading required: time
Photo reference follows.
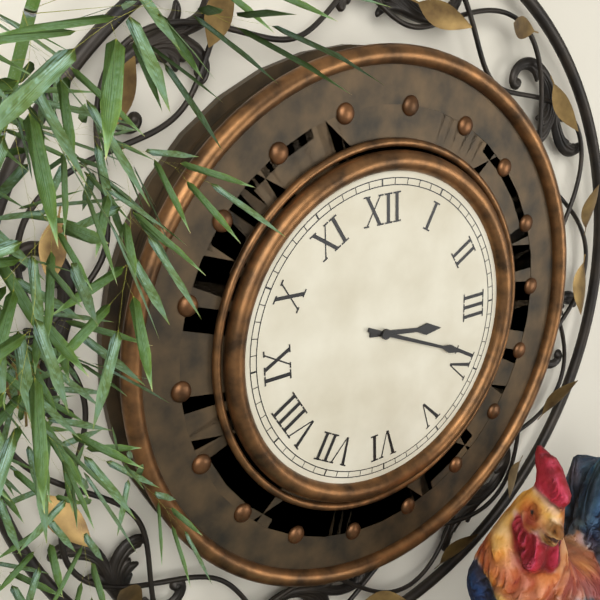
3:19
